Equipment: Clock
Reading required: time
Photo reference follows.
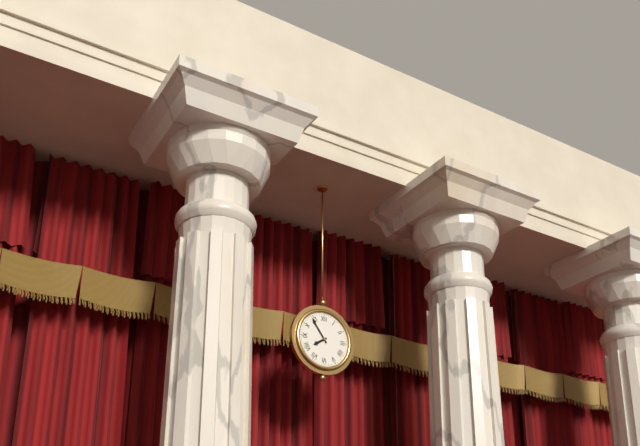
7:54
